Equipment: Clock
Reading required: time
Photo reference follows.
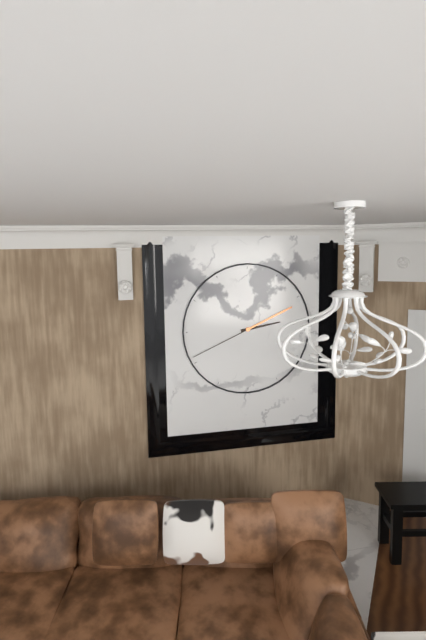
2:41
